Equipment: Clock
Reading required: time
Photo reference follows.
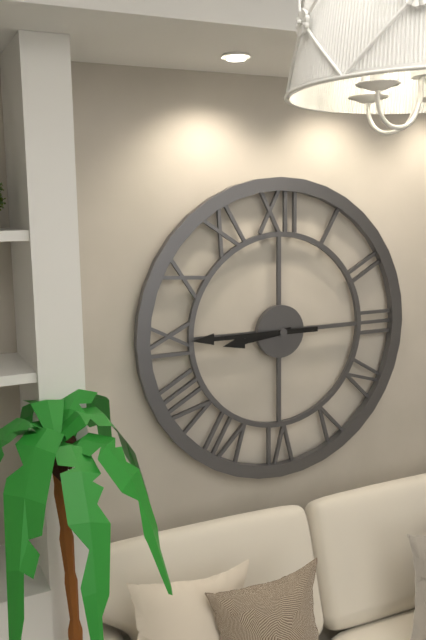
8:45
